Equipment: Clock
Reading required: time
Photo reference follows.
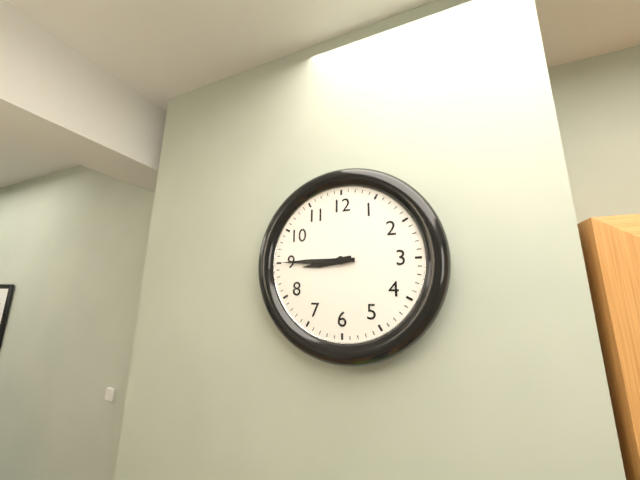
8:45
